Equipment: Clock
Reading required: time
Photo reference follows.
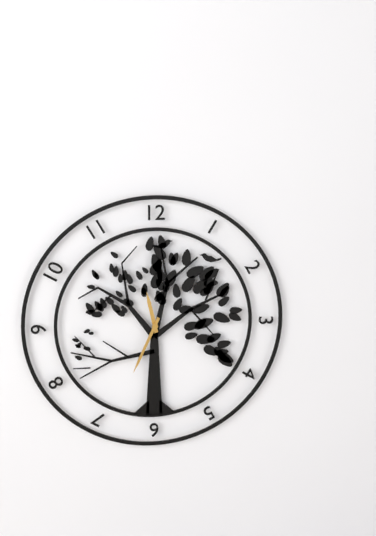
11:34
